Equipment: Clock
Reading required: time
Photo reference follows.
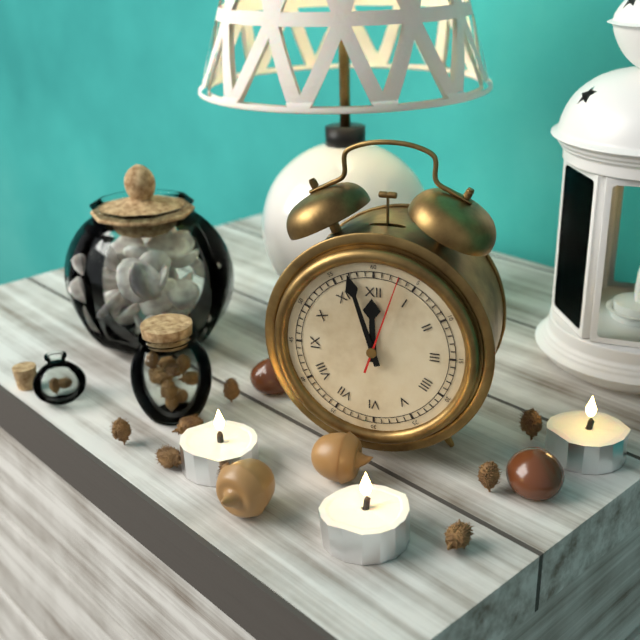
11:57:03
